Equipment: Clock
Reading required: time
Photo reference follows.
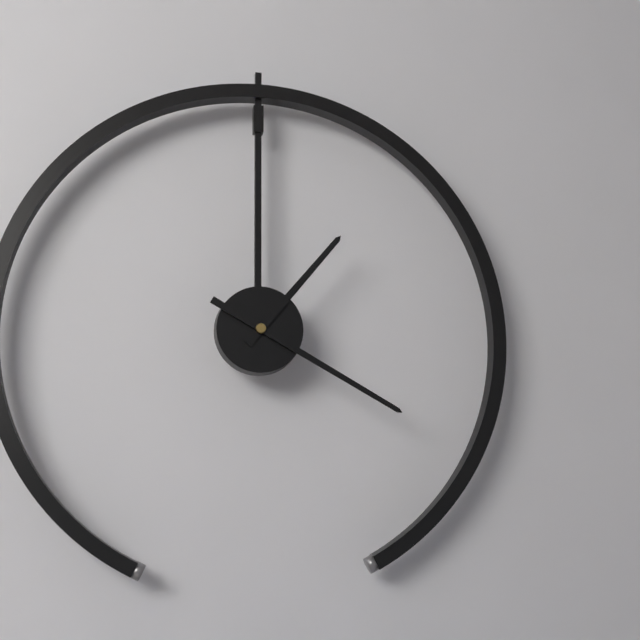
1:20
